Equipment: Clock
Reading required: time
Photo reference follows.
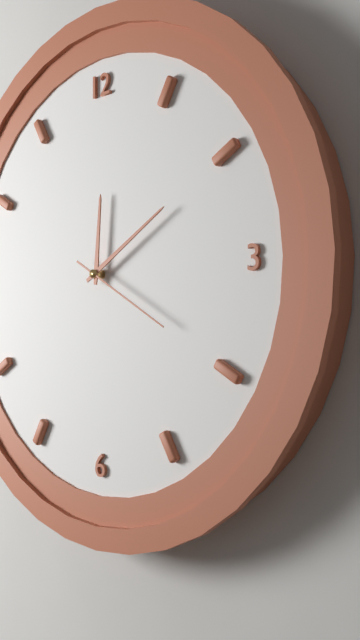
12:10:20
